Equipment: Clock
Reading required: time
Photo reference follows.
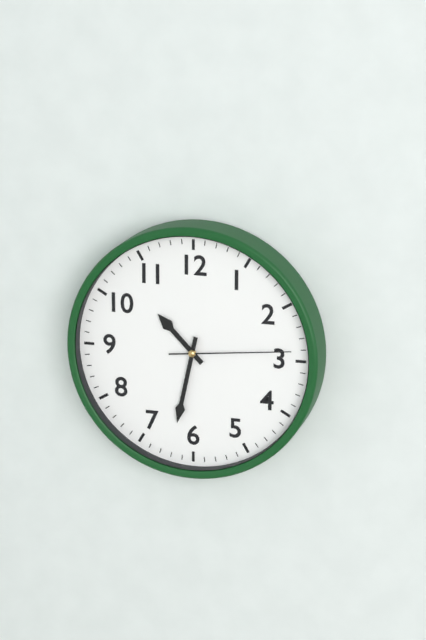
10:32:14
